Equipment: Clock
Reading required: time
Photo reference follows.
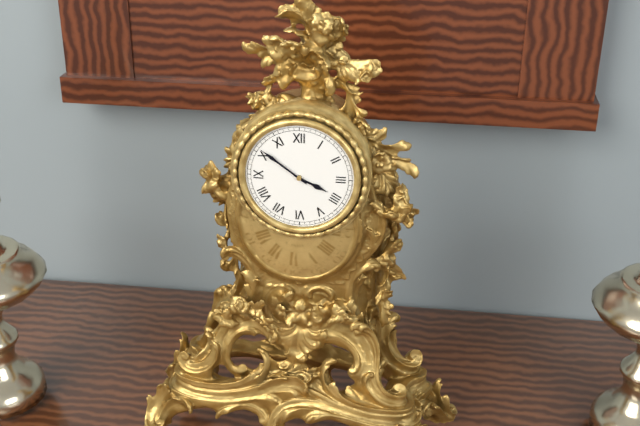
3:51
